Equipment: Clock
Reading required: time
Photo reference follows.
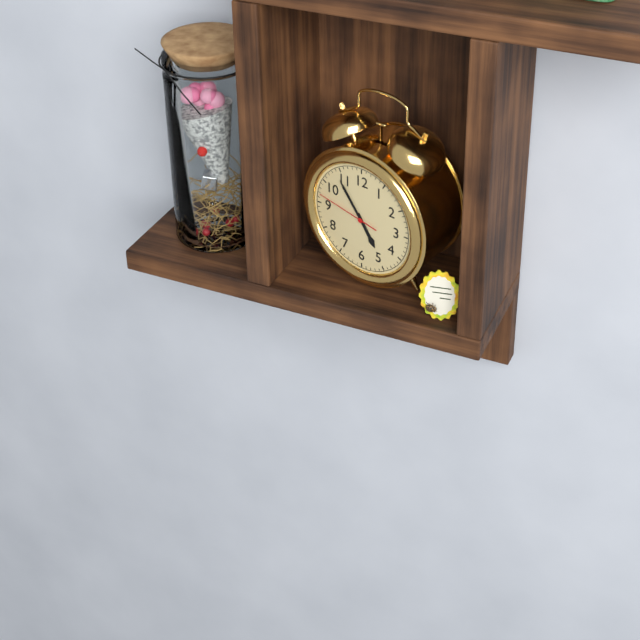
4:54:47
